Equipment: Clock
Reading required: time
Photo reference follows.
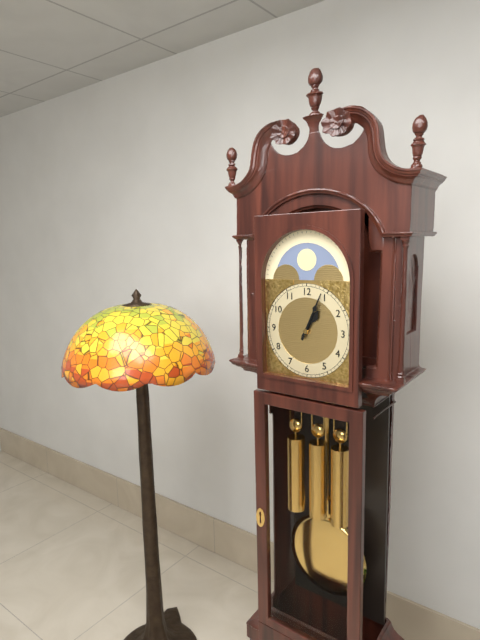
1:04
